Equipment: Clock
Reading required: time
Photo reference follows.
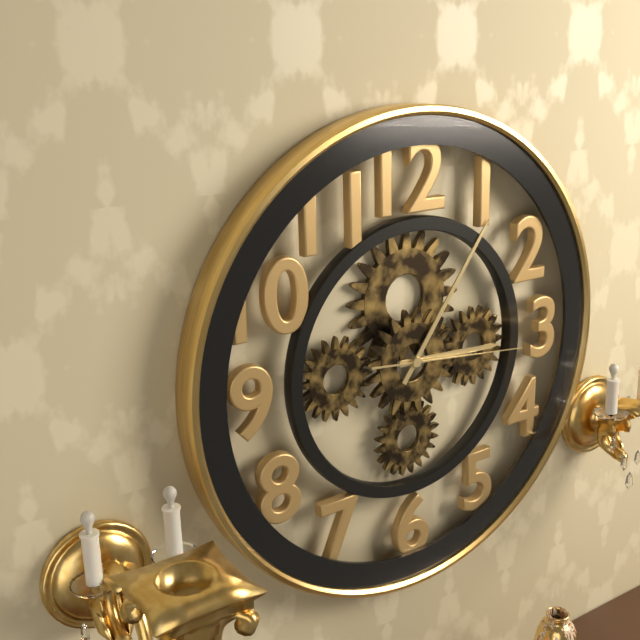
3:06:16
